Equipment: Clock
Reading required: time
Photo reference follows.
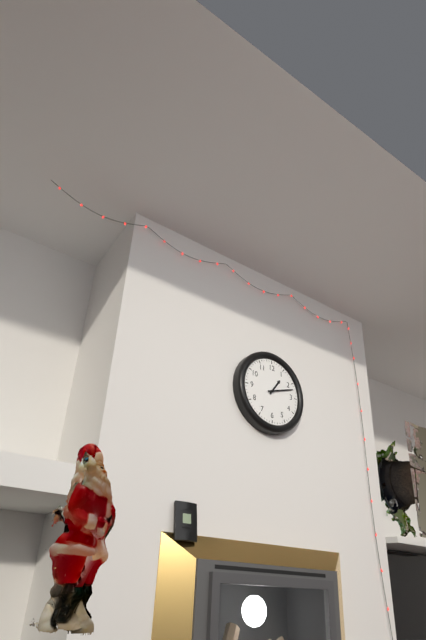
1:12
